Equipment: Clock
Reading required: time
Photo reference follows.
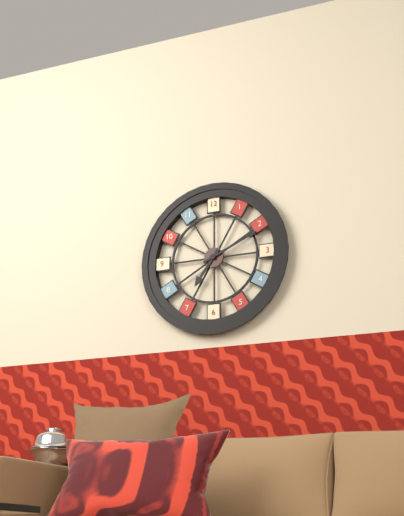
7:11
